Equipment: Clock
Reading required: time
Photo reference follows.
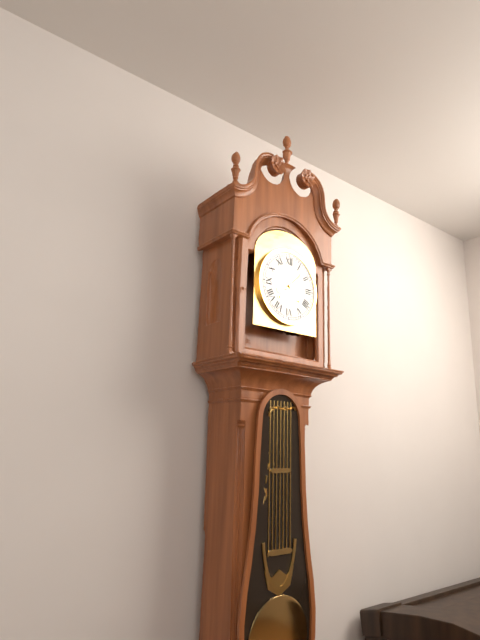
8:08
